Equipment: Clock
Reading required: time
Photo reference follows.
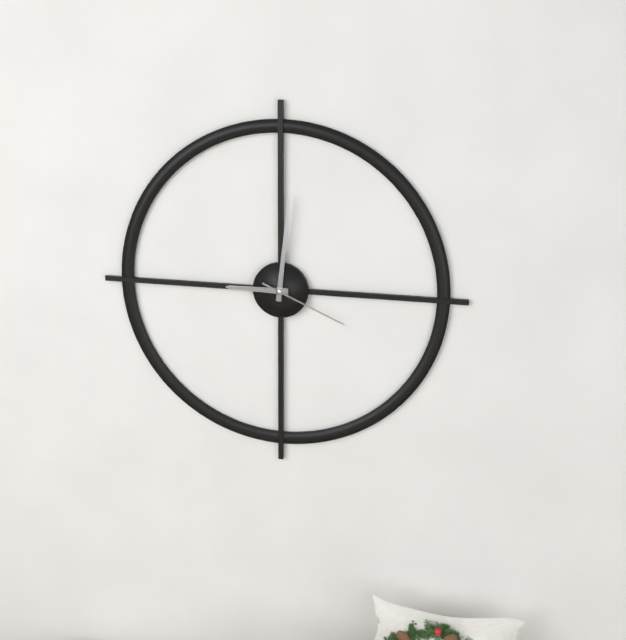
9:01:19
